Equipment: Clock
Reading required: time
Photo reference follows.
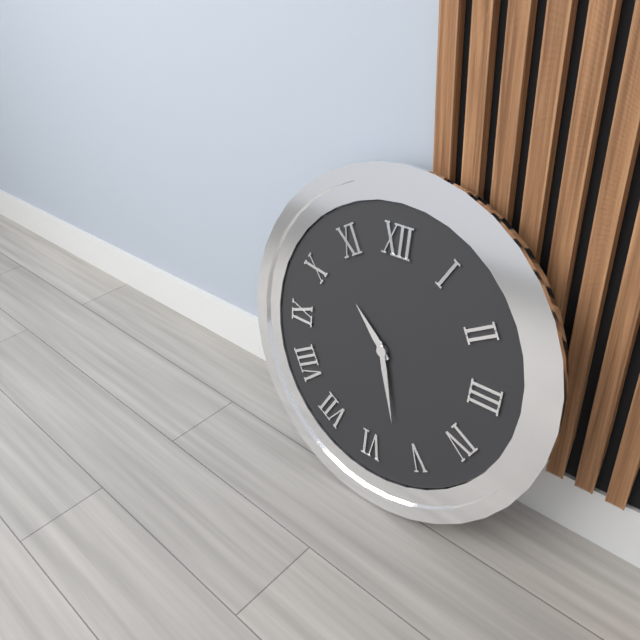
10:27
